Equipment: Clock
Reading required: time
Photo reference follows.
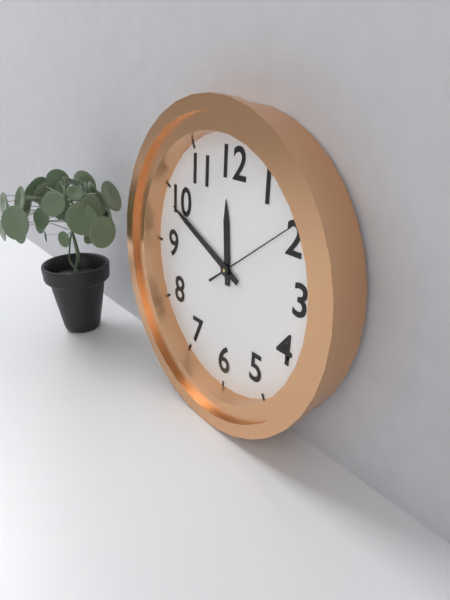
11:49:09
